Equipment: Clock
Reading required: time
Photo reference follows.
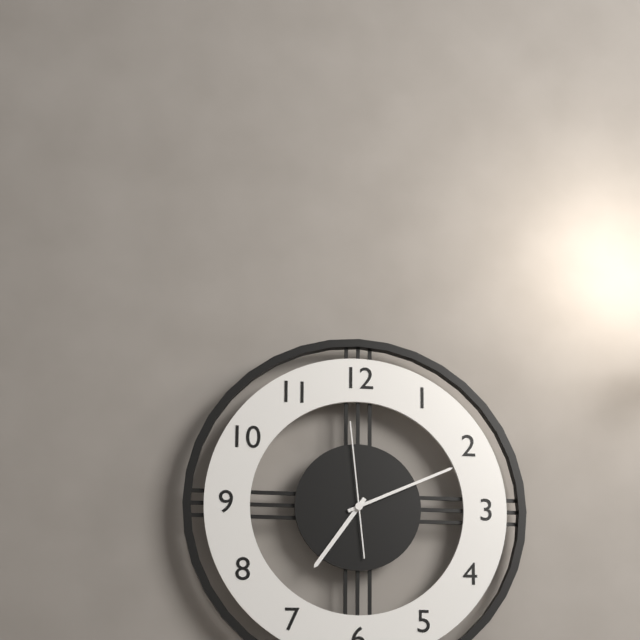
7:11:59
